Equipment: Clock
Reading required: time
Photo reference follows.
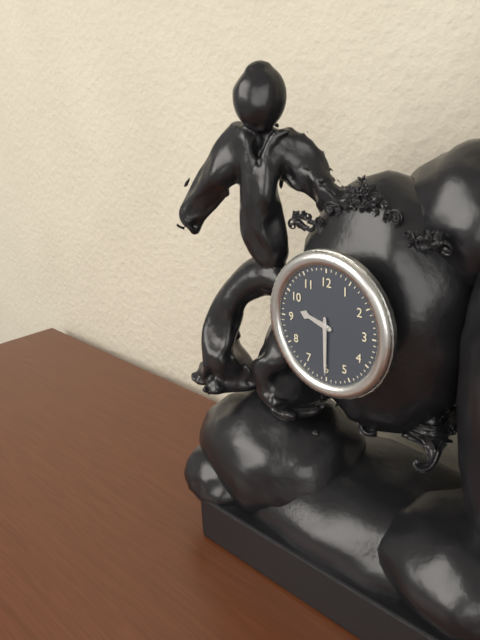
9:30
